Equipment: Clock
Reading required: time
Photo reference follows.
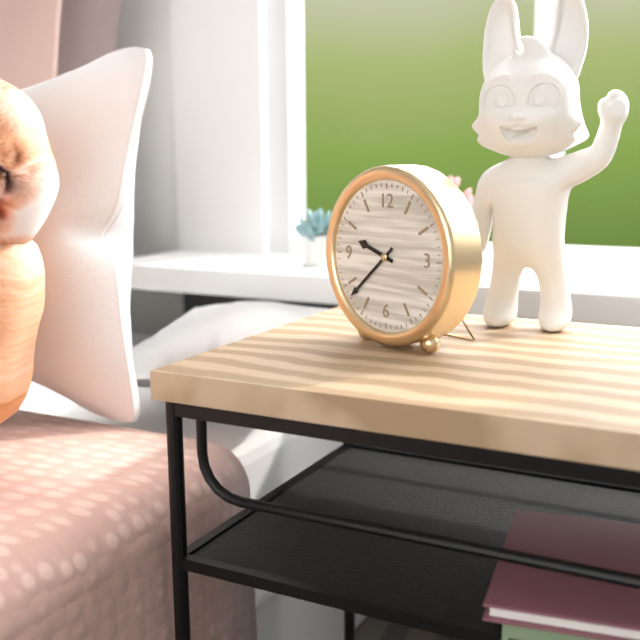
9:38
